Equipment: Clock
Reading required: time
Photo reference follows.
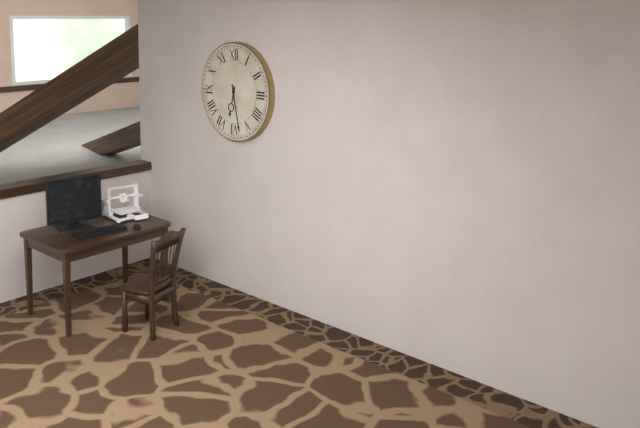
6:28
